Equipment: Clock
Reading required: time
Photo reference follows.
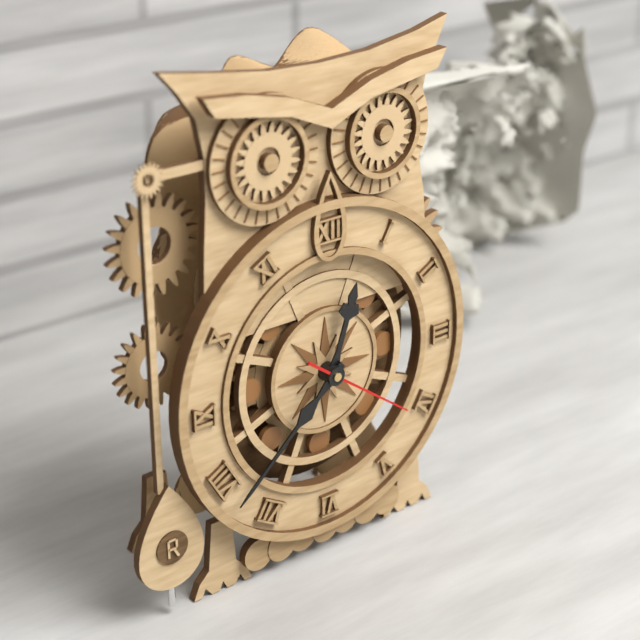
12:38:21
